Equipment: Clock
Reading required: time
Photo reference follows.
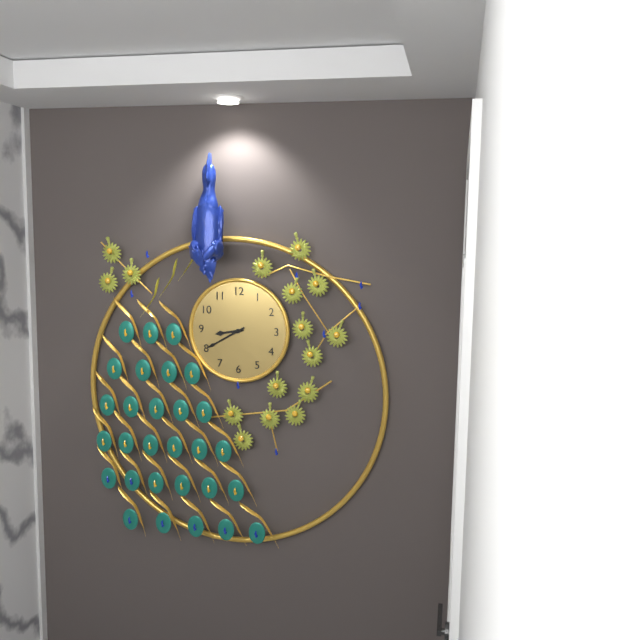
8:40
